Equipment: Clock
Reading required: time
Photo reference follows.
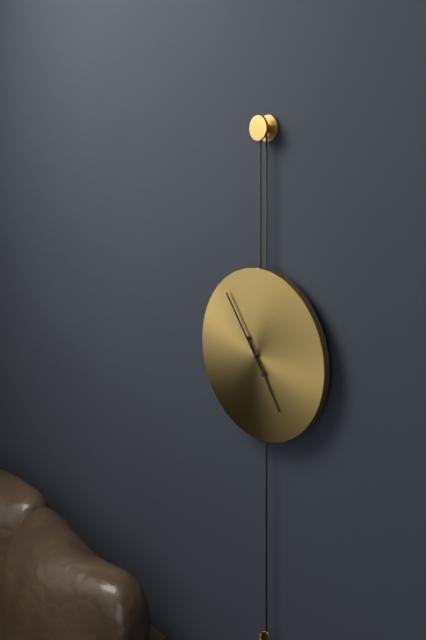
4:54
